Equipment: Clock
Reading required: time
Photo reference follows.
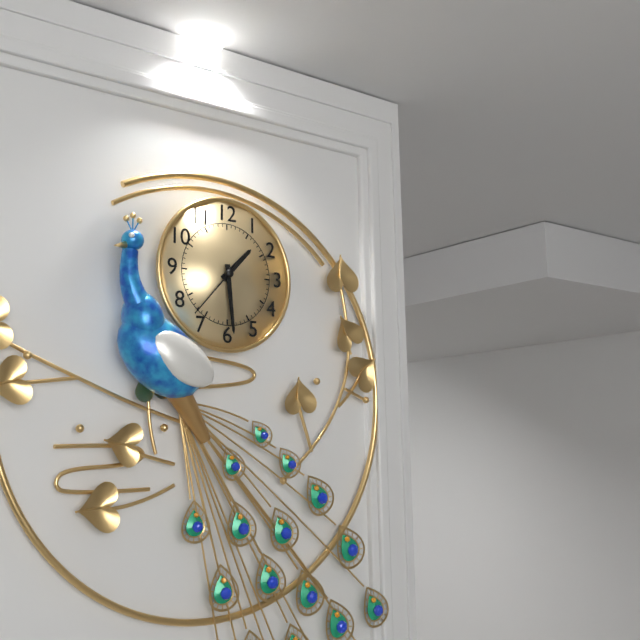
1:29:37
